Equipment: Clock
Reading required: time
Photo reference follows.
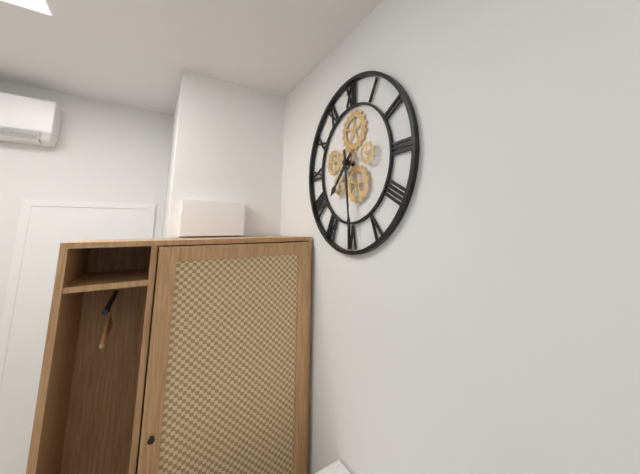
7:29
